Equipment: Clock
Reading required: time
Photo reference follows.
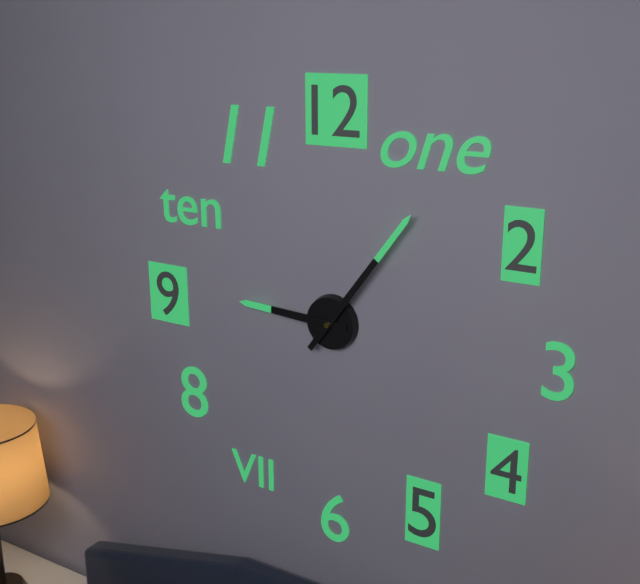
9:06
